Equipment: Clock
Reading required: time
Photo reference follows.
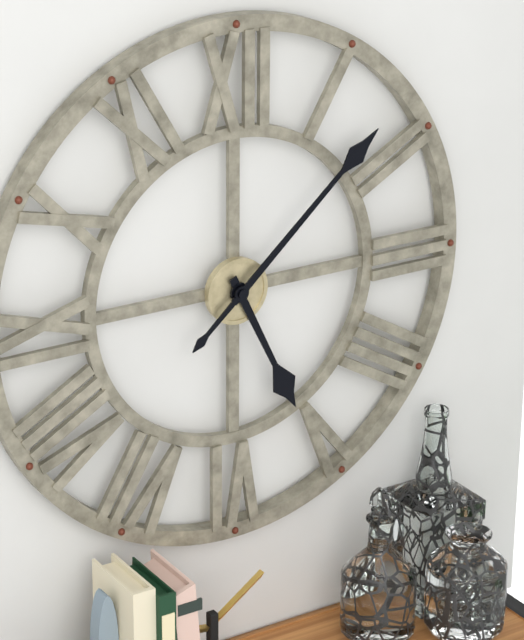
5:08
